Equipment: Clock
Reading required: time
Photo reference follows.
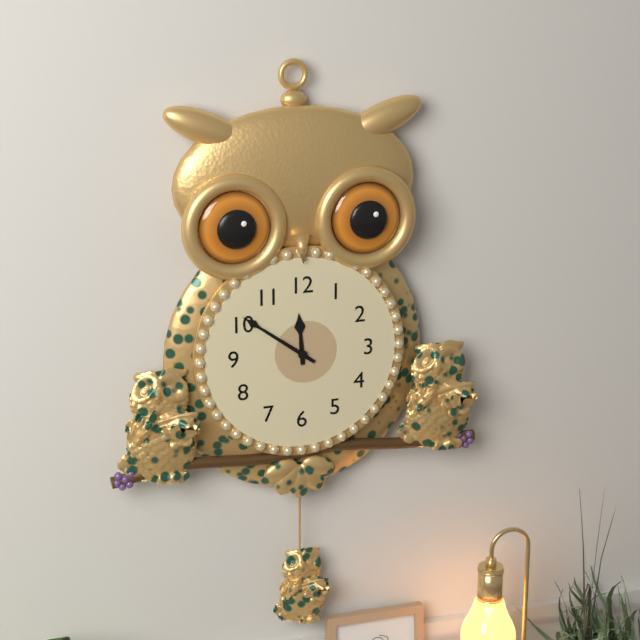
11:51
